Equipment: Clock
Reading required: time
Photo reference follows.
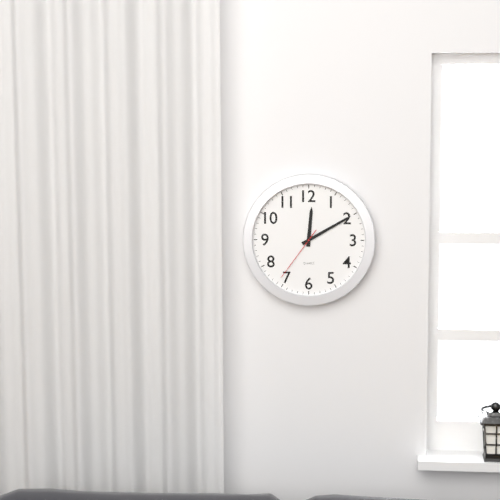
12:10:36
